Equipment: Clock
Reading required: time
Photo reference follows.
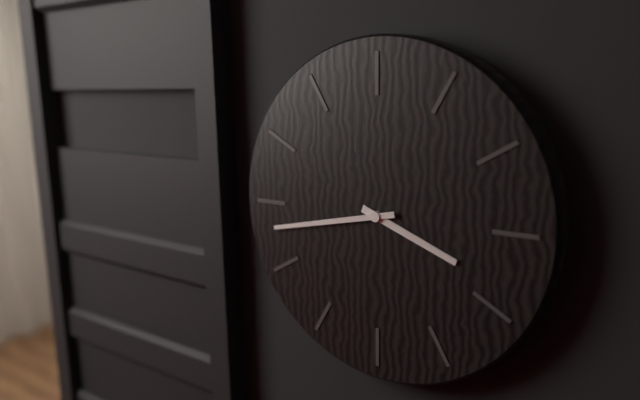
3:43
